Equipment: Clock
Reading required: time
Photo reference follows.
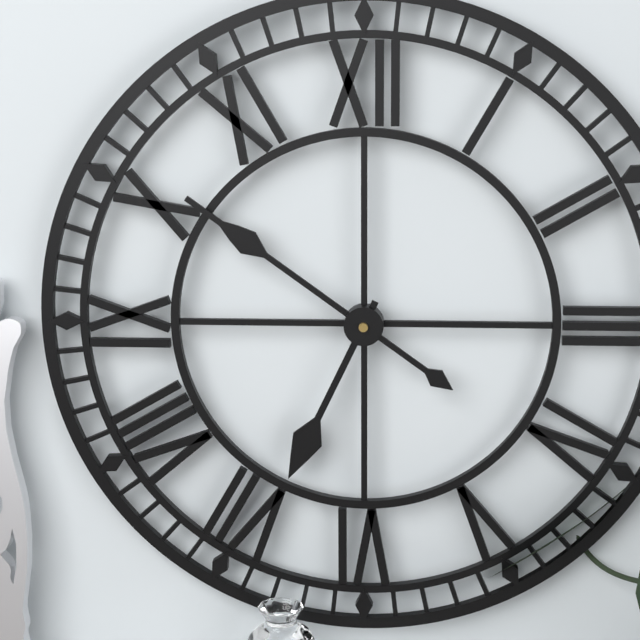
6:51
